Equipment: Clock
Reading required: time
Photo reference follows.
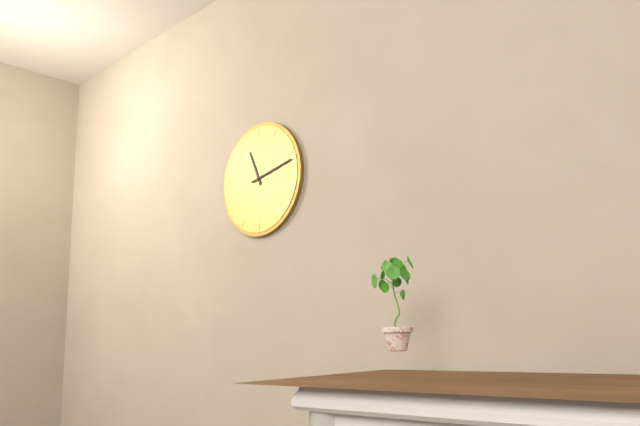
11:13
